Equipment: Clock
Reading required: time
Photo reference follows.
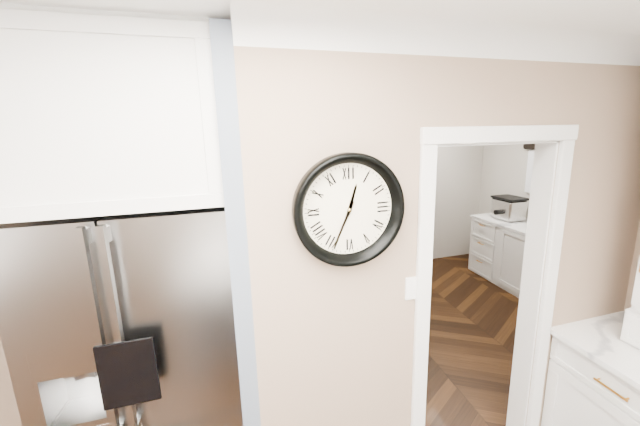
12:34
